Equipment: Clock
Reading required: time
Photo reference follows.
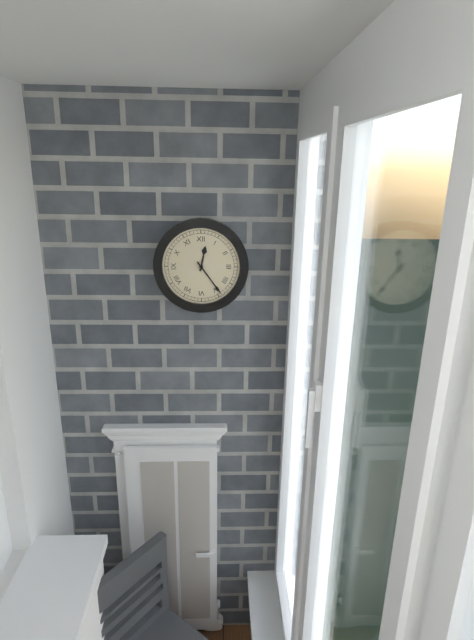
12:24
